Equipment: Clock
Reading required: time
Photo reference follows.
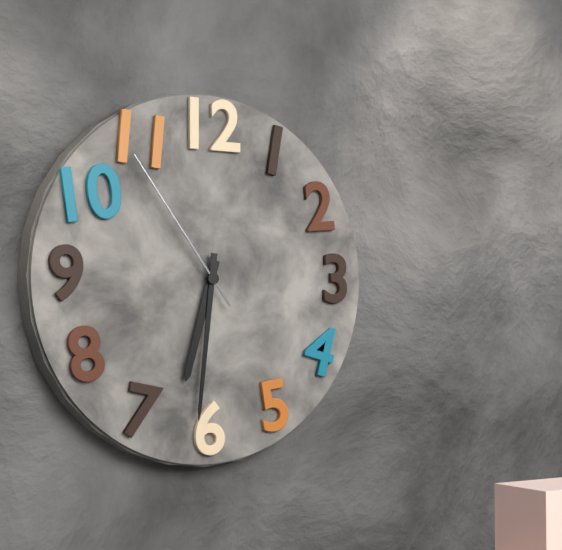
6:31:54
